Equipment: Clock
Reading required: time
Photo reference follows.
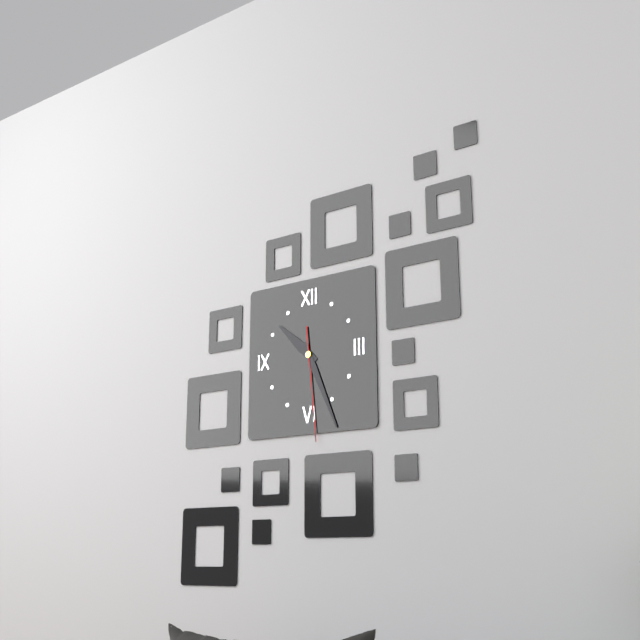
10:26:29
